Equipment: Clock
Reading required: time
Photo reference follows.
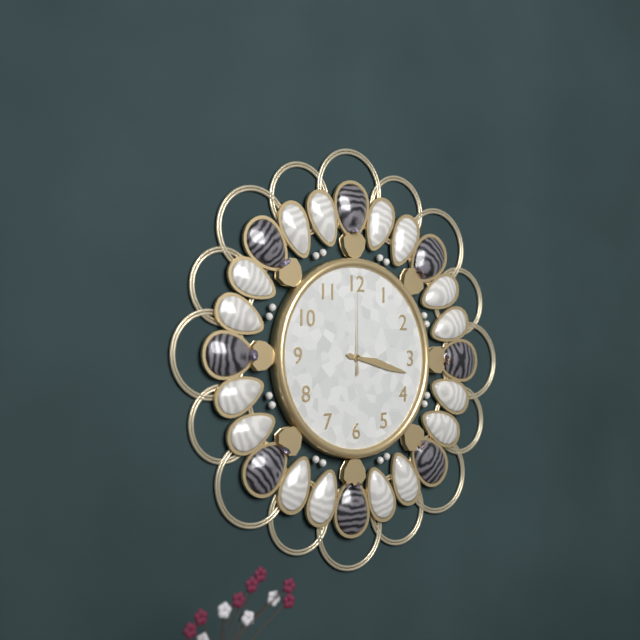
3:17:00
